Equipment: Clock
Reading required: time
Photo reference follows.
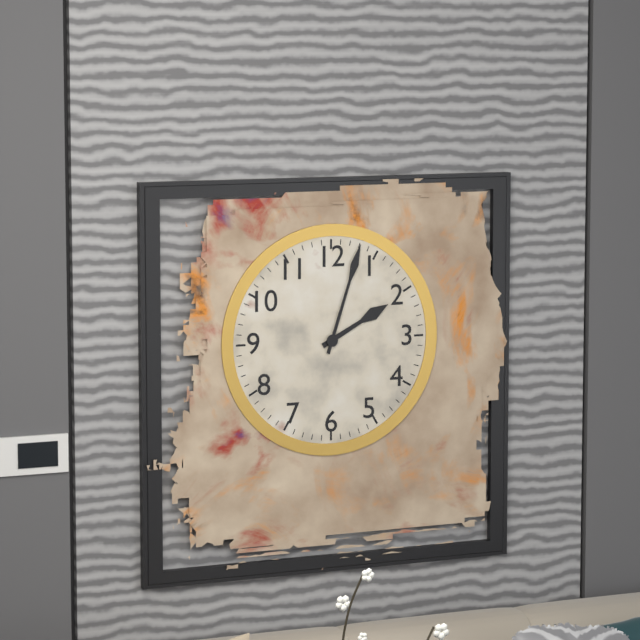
2:03
